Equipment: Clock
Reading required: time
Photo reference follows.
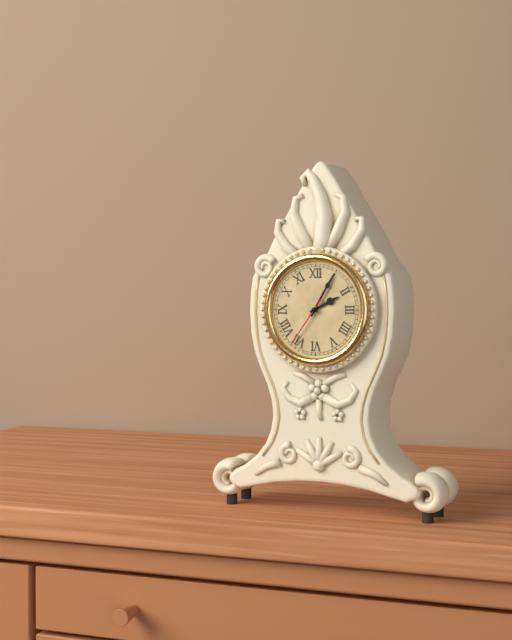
2:05:36
